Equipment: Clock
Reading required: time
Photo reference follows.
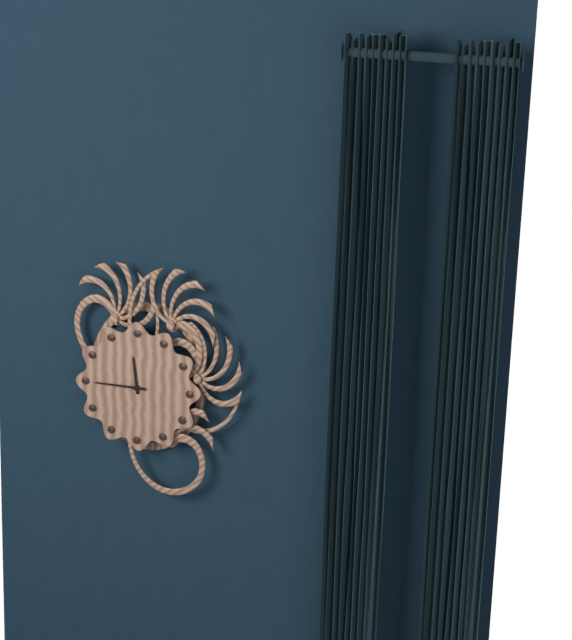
11:45
